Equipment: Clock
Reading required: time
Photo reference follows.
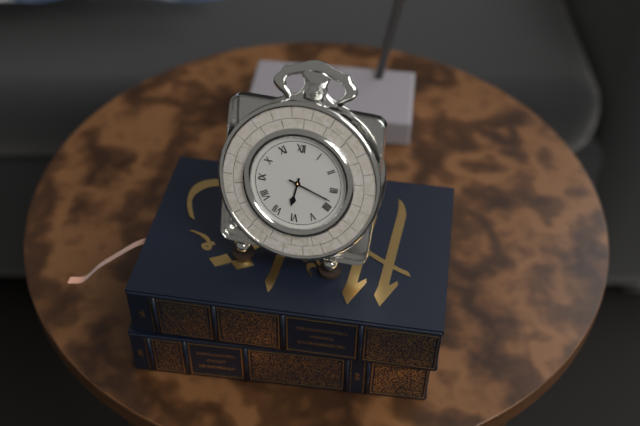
6:18
